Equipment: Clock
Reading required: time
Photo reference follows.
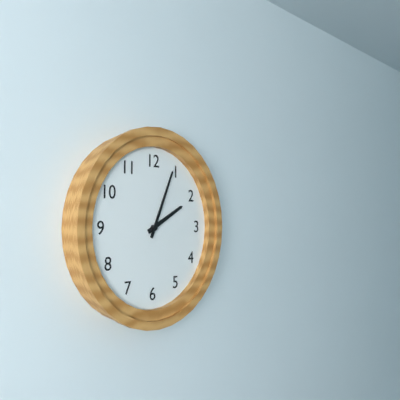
2:04
